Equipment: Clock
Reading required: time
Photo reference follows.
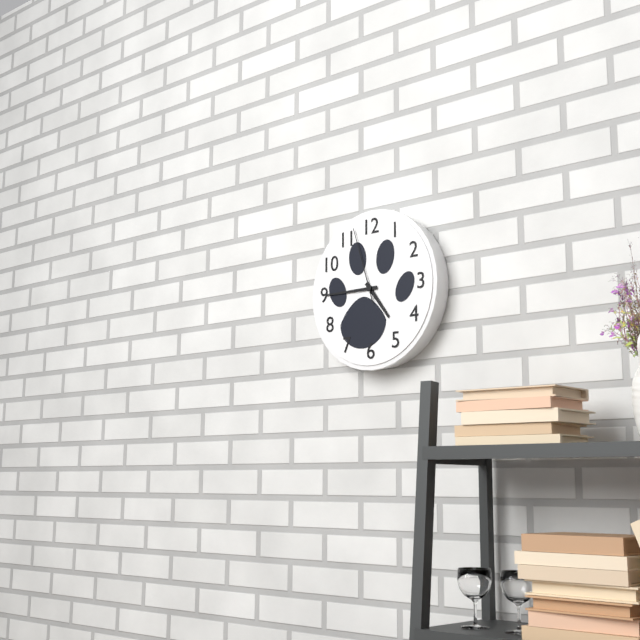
4:45:57
